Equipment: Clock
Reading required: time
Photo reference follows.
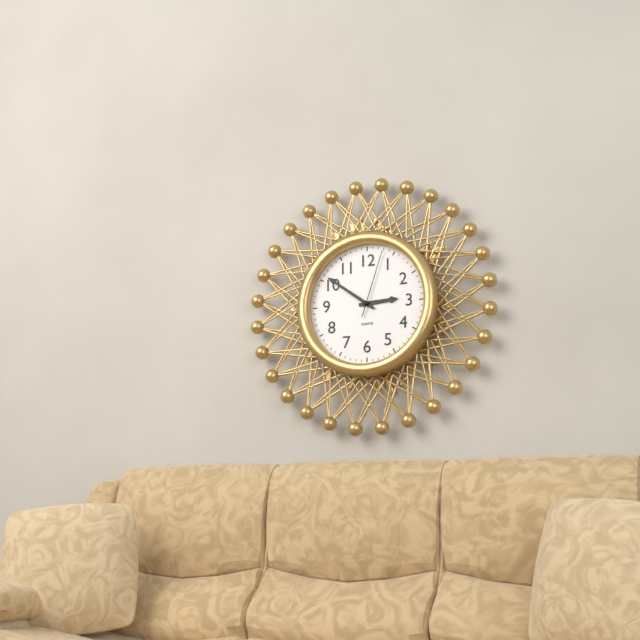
2:51:03
